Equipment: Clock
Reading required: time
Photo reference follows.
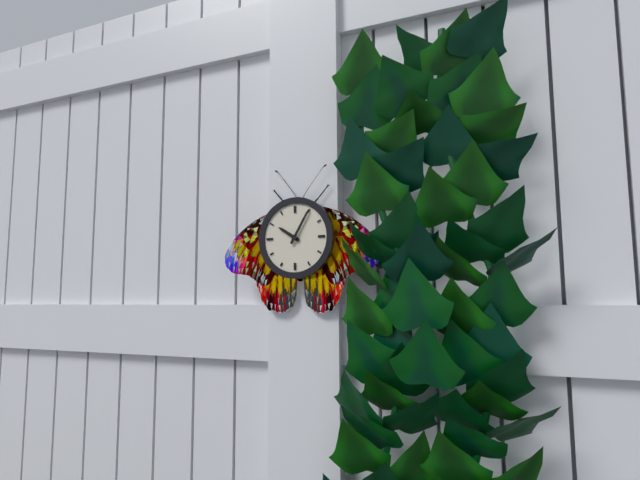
10:05
